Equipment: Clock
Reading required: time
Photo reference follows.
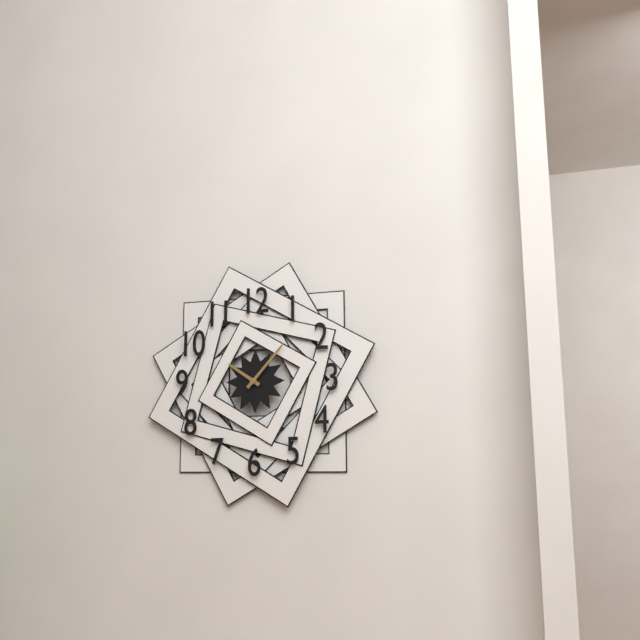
10:07
